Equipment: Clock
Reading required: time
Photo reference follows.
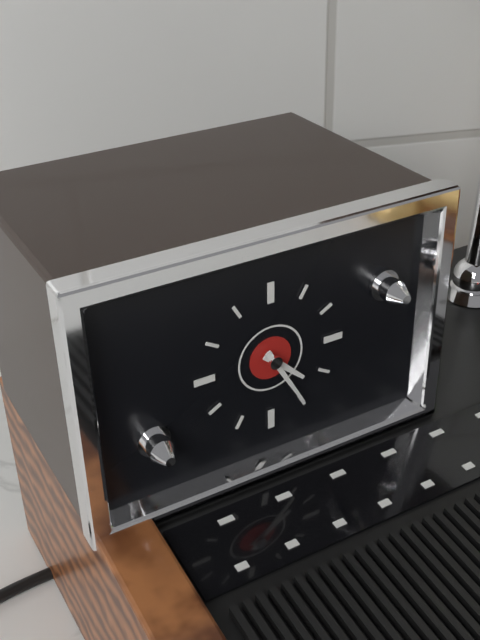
4:25
